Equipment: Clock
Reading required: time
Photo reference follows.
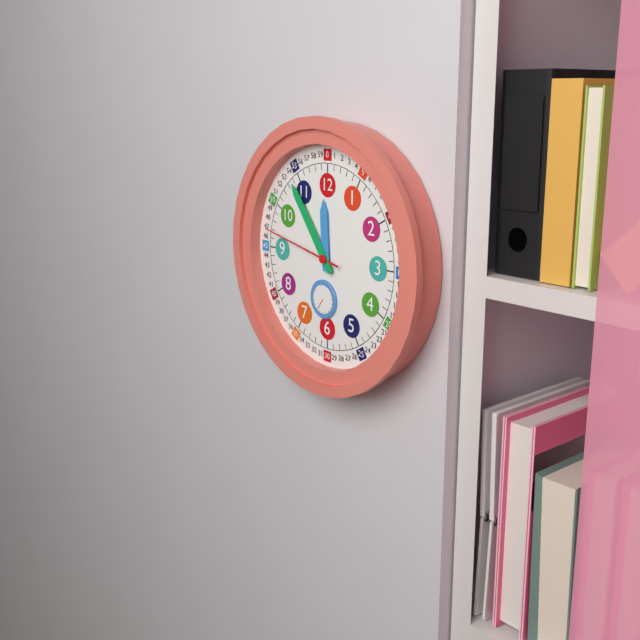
11:54:47
